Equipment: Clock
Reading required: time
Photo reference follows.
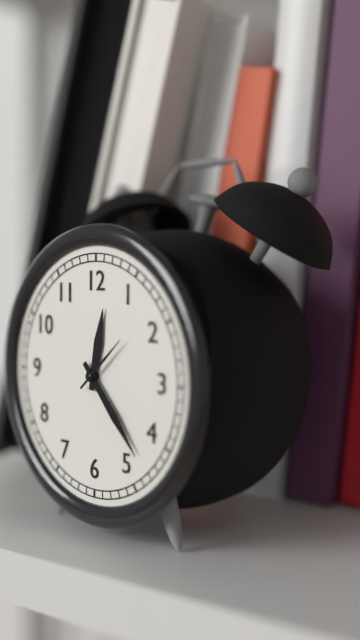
12:23:08
